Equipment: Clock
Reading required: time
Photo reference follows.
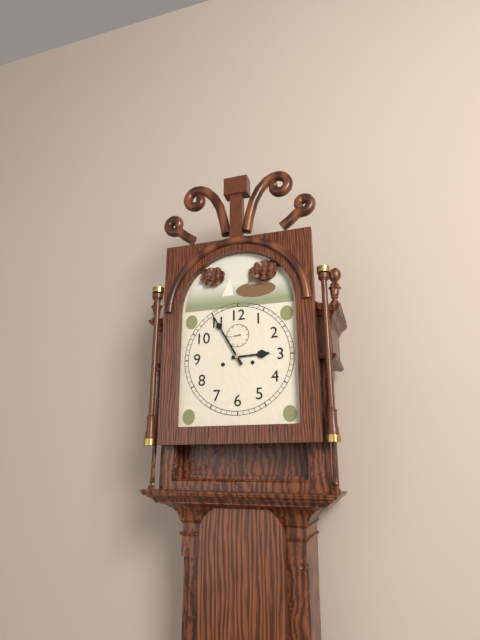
2:55
